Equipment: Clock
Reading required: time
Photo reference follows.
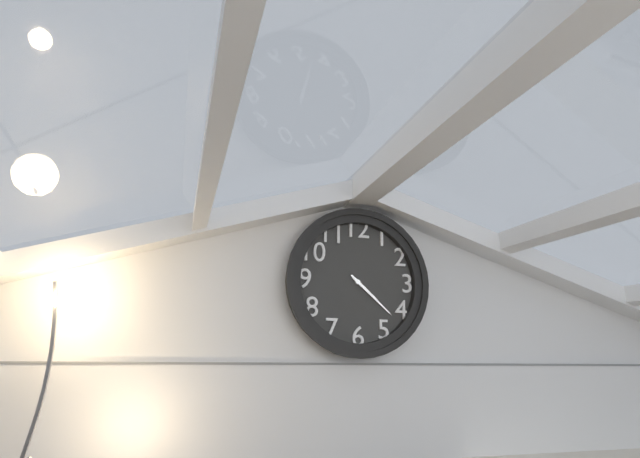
4:22
